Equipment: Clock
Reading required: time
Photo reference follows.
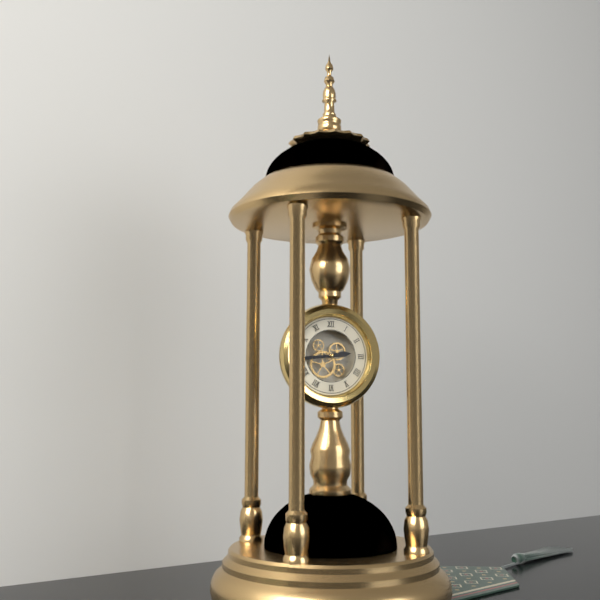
2:44
